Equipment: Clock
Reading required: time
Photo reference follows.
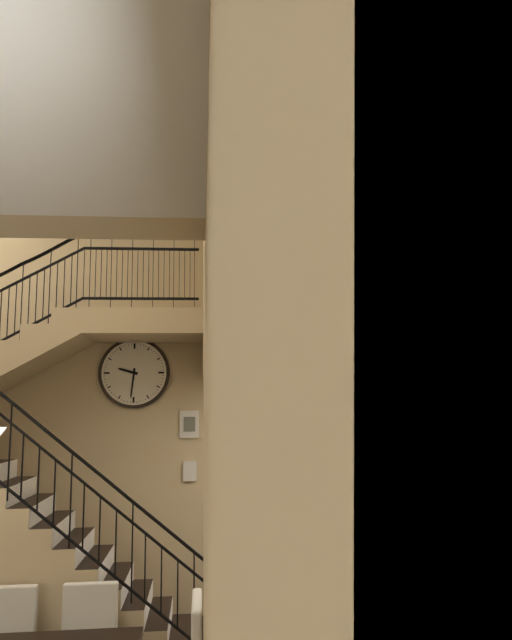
9:31
